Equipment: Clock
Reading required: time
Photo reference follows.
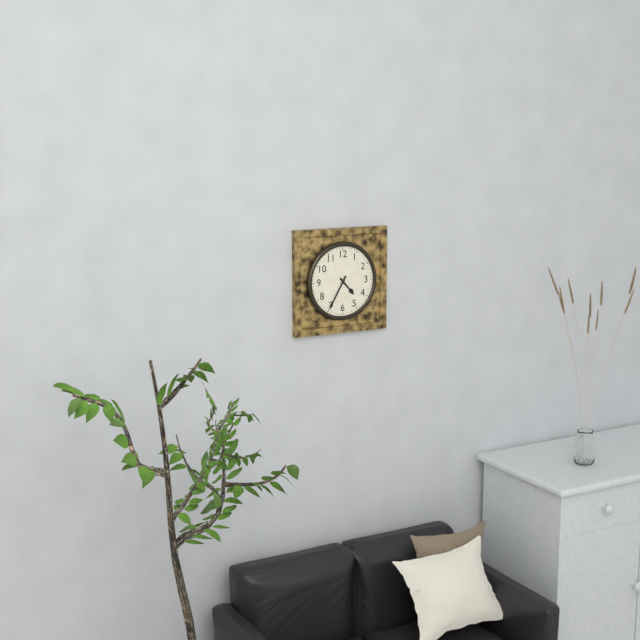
4:35
